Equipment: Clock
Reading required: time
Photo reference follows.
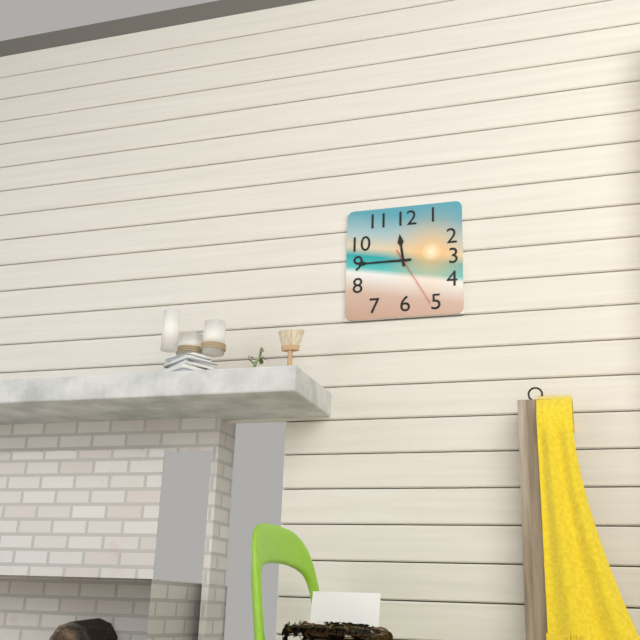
11:45:25
